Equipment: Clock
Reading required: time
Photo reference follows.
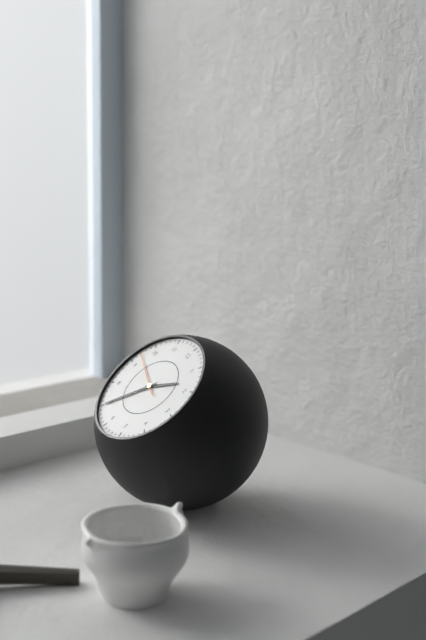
1:35
